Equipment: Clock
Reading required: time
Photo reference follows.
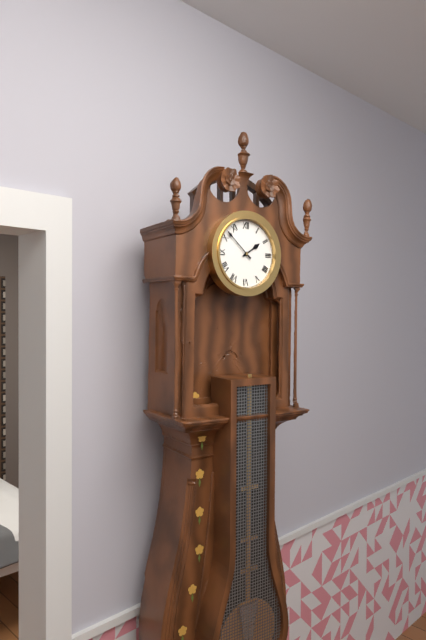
1:52
